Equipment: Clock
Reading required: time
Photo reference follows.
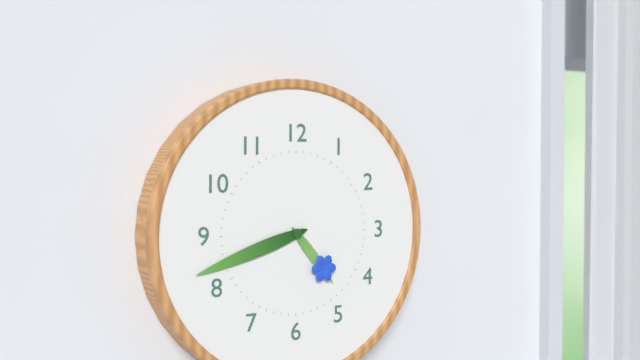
4:42
